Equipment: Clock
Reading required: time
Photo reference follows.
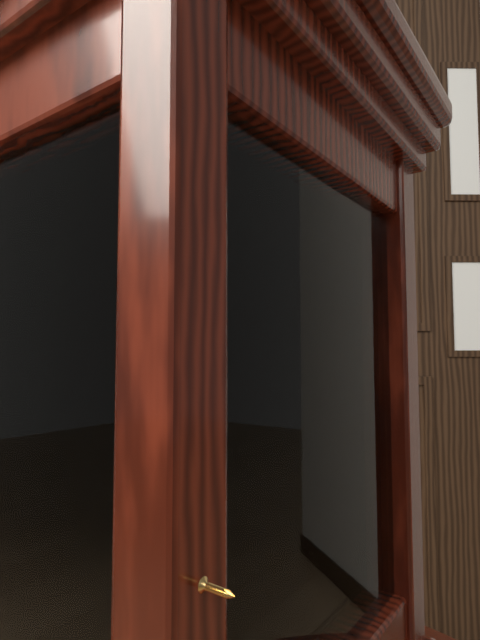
1:59
